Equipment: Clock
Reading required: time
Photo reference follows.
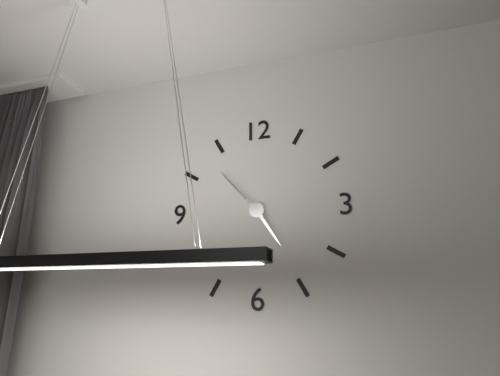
4:53
